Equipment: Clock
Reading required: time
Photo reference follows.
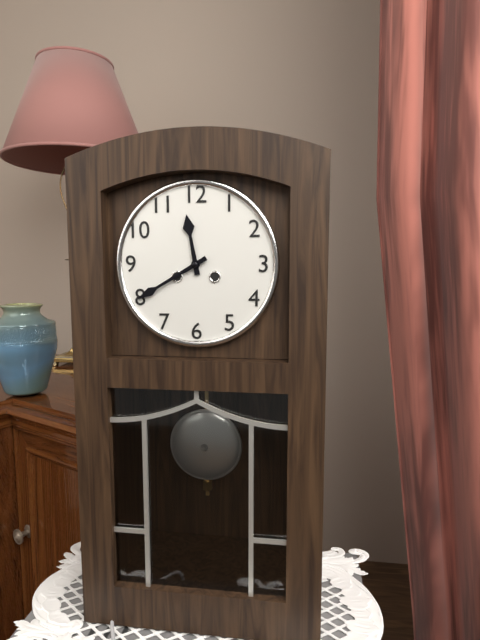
11:40
